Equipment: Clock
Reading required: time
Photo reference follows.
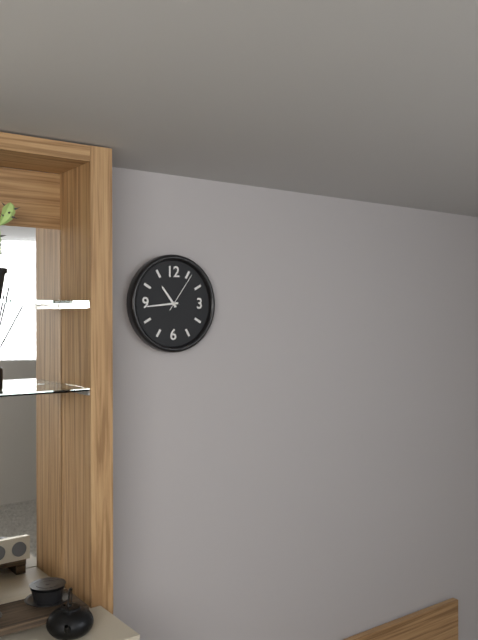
10:44
